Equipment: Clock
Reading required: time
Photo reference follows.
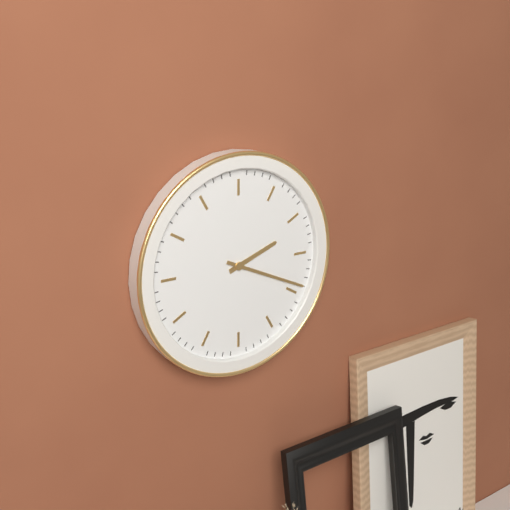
2:19
